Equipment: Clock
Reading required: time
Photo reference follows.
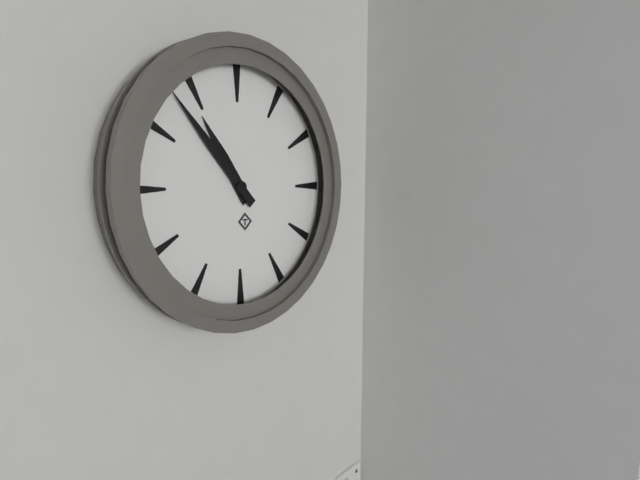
10:53
